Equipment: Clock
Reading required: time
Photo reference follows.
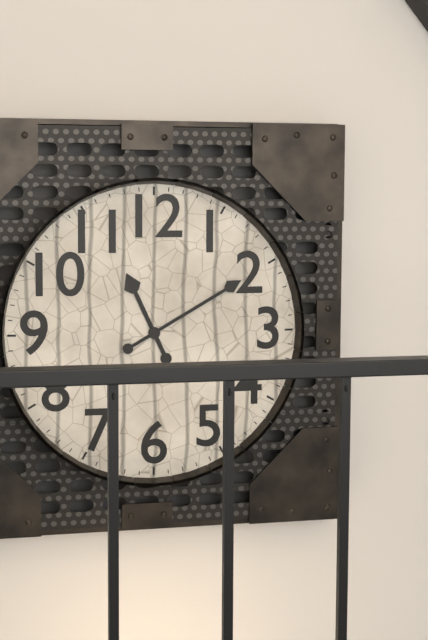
11:10
